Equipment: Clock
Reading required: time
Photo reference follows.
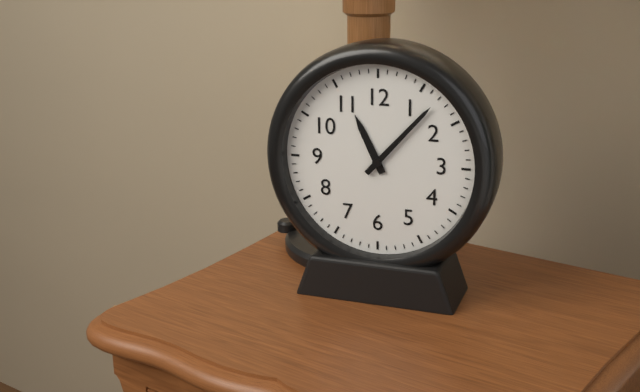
11:07
